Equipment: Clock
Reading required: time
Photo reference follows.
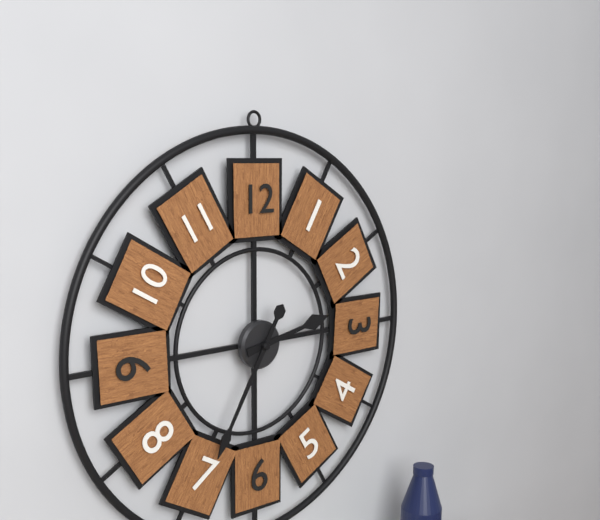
2:35
